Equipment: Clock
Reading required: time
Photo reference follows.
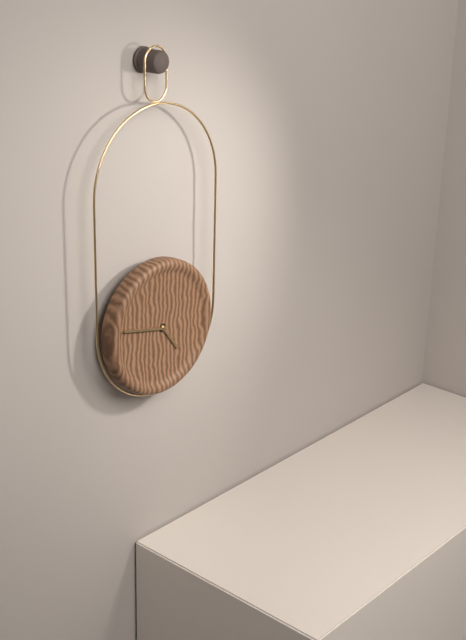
4:47
